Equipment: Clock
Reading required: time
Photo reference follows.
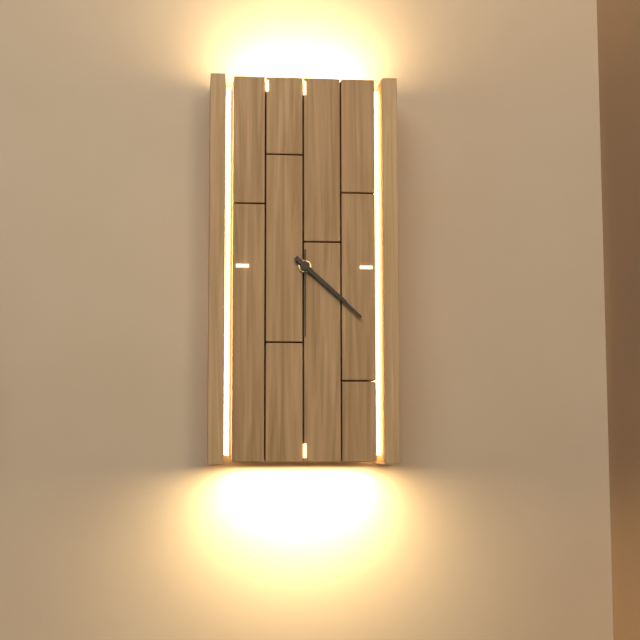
4:22:30
